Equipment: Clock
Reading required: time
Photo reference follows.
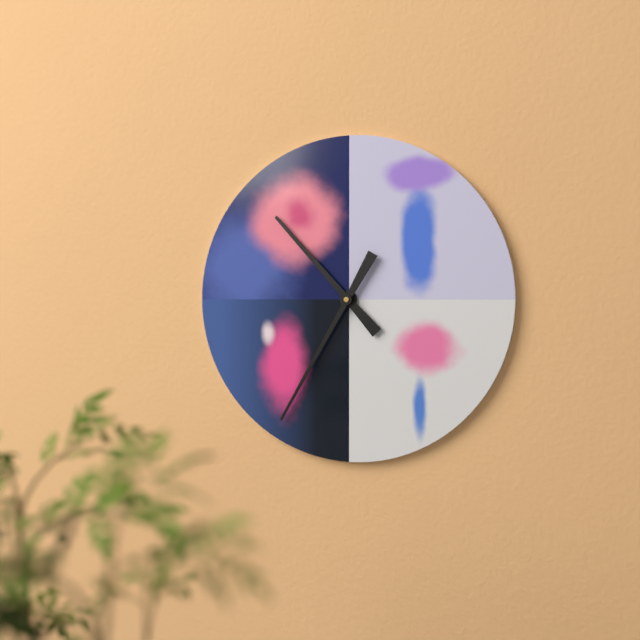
10:35
